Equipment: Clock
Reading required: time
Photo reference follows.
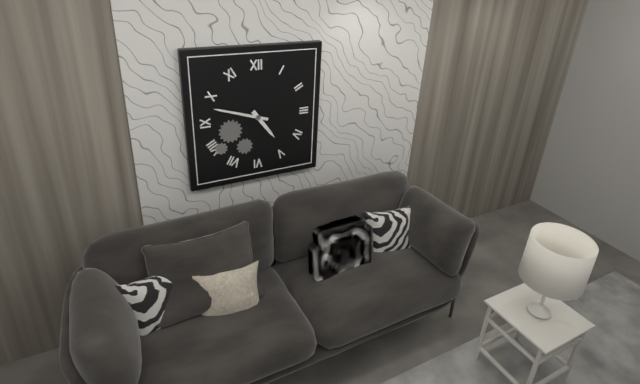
4:48
